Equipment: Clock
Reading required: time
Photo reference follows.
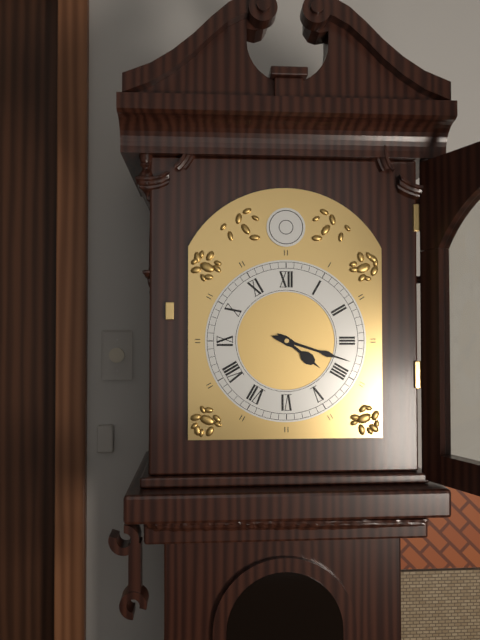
4:18
